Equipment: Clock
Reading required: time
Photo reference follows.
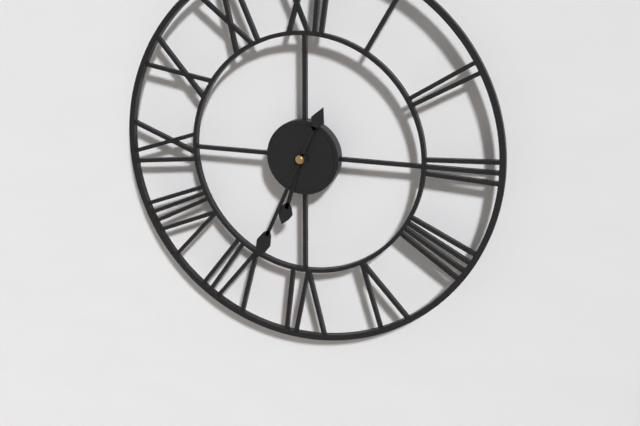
6:34
